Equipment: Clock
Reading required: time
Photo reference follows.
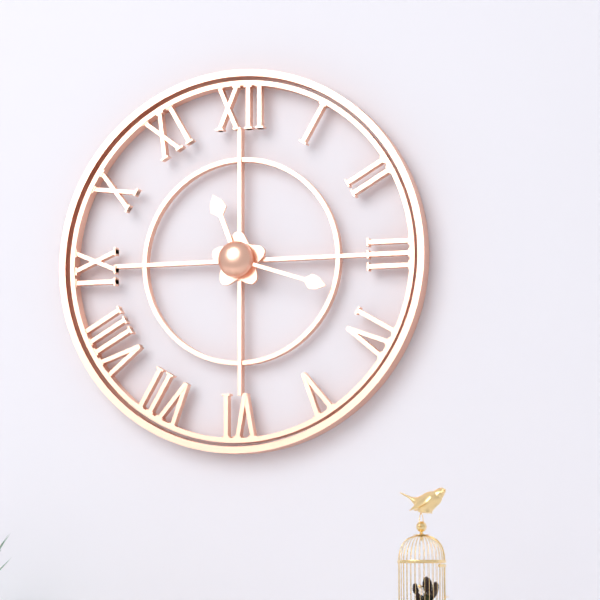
11:18
